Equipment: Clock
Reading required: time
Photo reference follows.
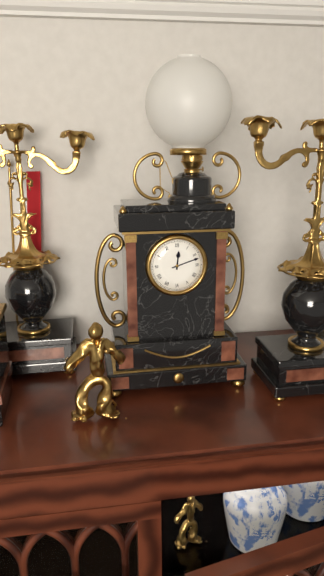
12:12
